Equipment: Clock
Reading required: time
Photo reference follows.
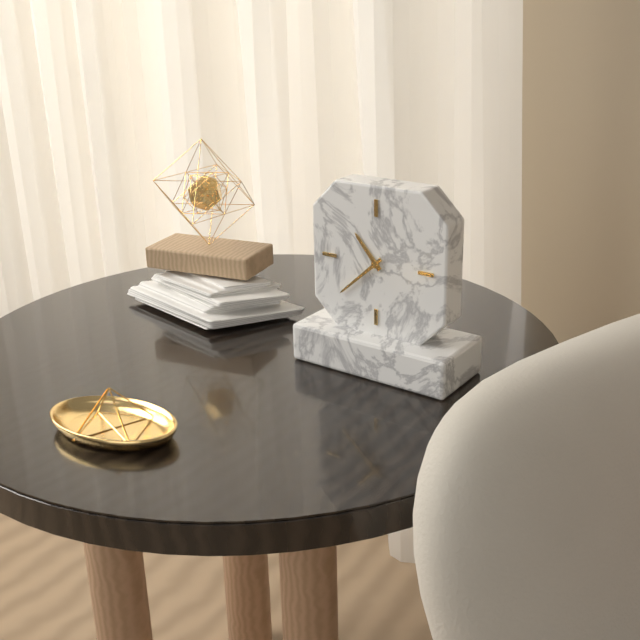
10:38
